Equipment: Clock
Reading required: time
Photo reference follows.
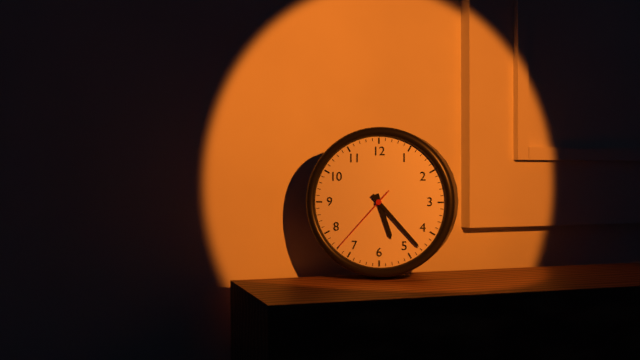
5:23:37
